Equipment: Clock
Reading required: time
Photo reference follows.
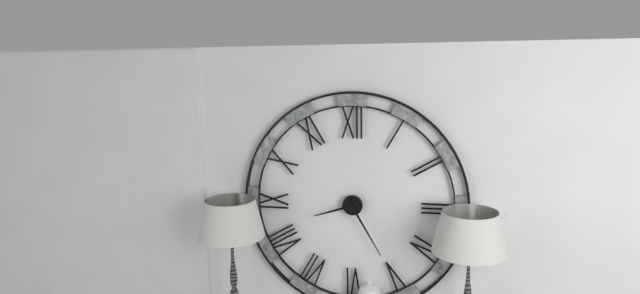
8:25
